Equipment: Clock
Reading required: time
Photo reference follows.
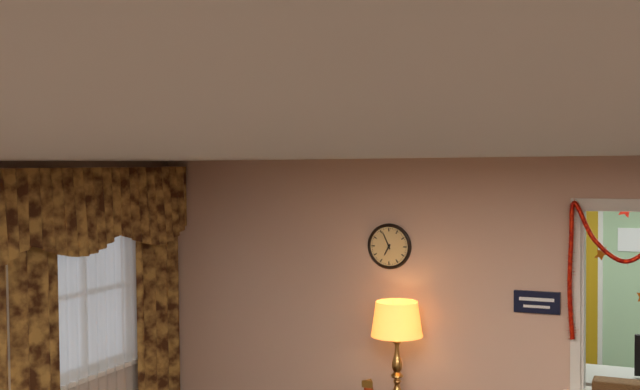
6:56
